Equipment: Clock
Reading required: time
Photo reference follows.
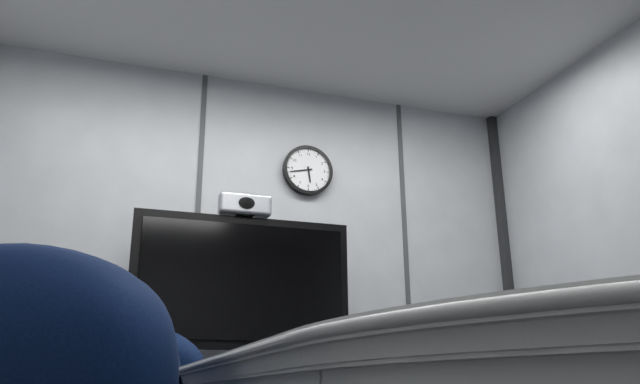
5:43
